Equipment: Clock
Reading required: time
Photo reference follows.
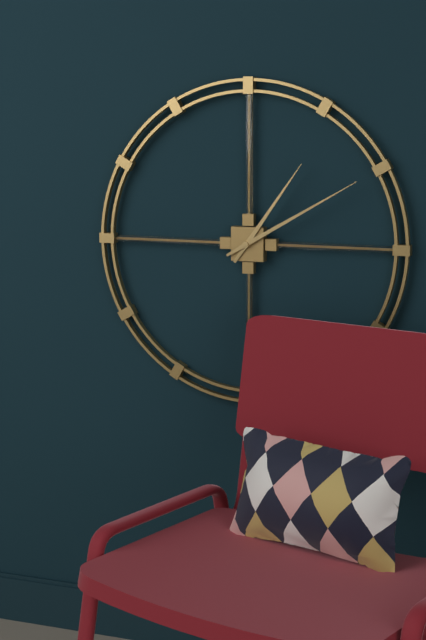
1:10
